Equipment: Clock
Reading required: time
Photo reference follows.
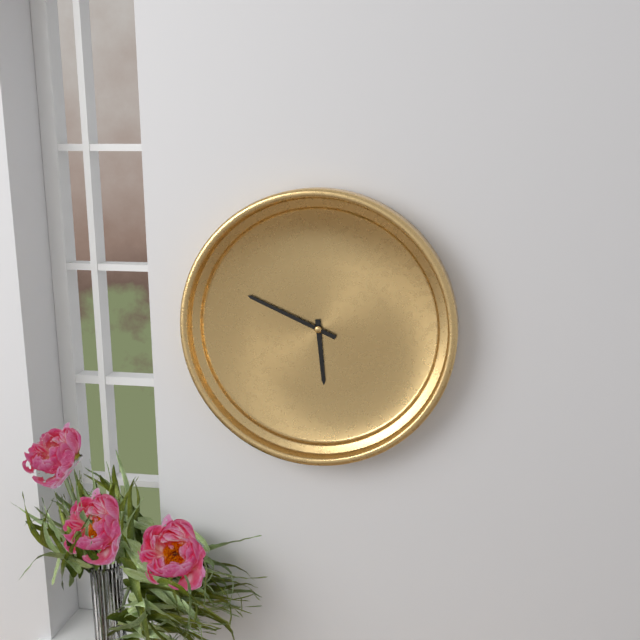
5:49
